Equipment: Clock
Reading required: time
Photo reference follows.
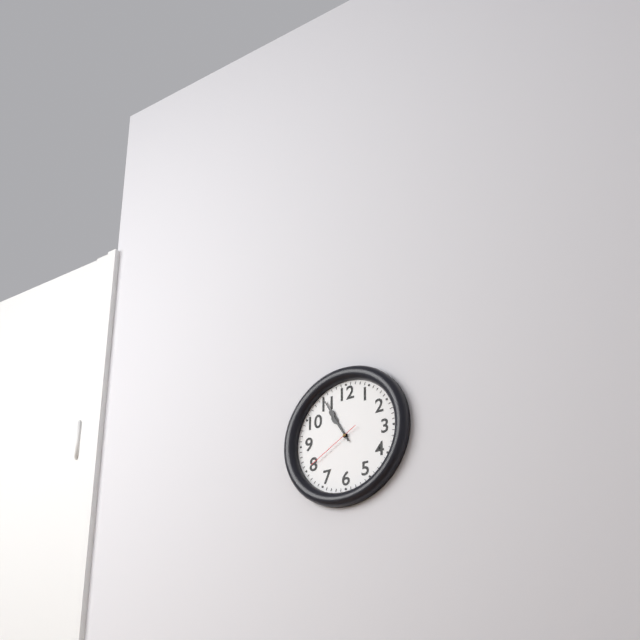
10:55:40
